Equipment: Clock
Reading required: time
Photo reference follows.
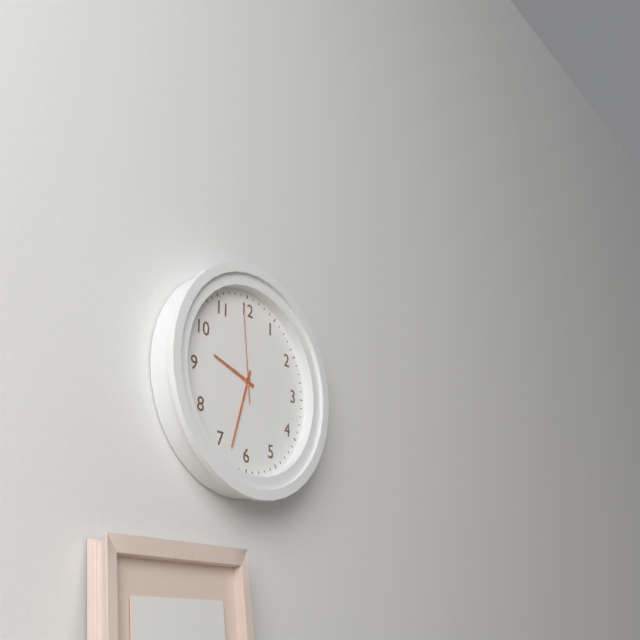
9:33:59
